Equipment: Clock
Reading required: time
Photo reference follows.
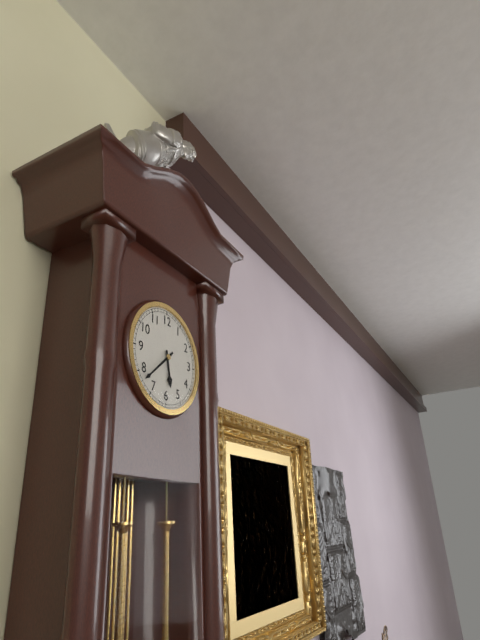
5:38
